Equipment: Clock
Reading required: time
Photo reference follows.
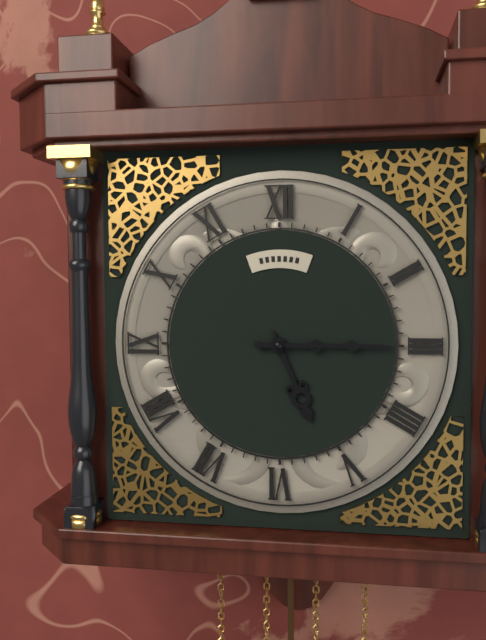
5:15
